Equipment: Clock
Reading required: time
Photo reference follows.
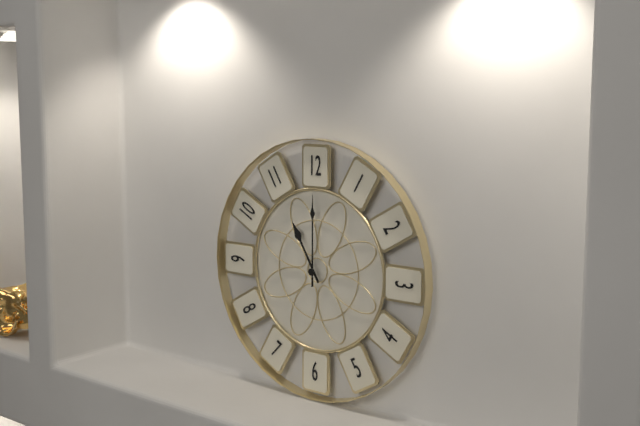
11:00
